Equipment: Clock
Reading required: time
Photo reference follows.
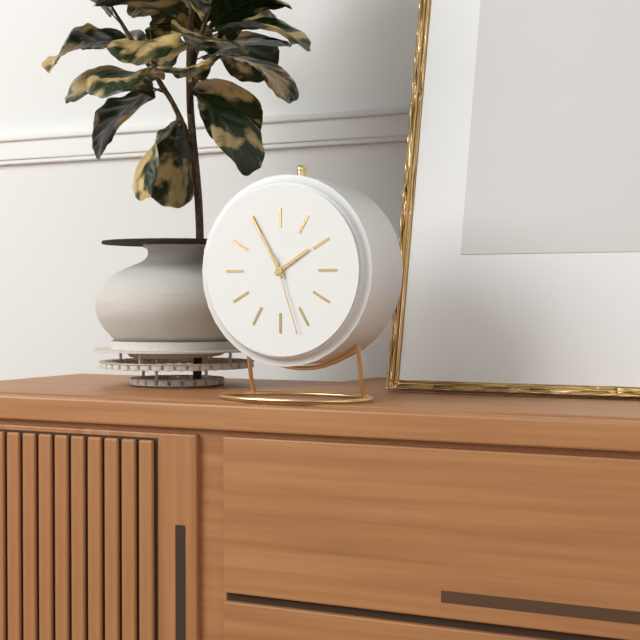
1:55:27
